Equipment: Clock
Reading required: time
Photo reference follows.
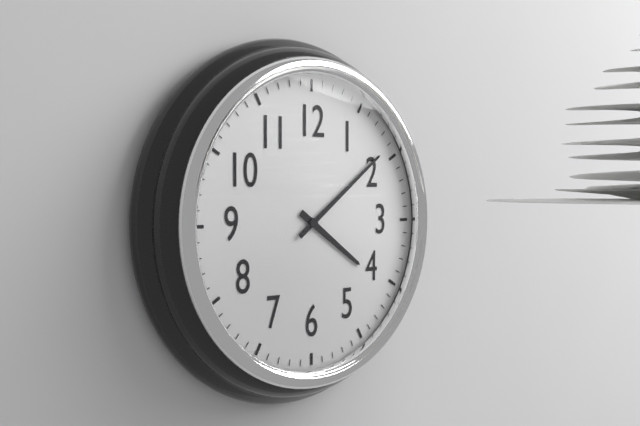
4:09
